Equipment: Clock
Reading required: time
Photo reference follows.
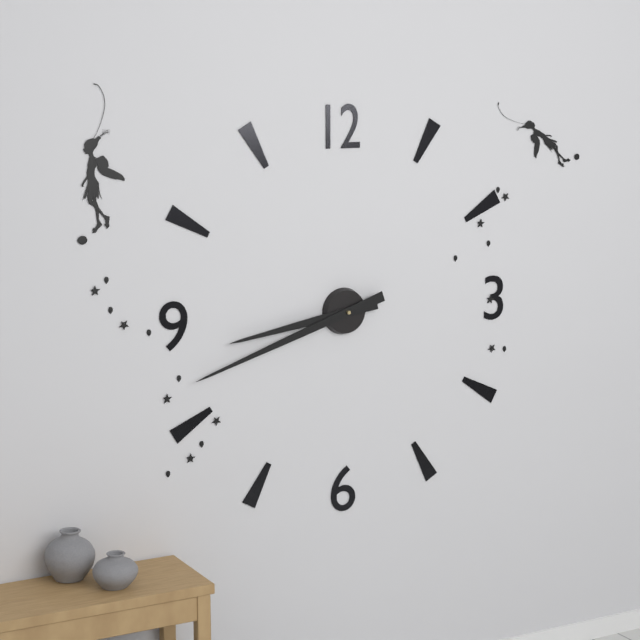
8:42
